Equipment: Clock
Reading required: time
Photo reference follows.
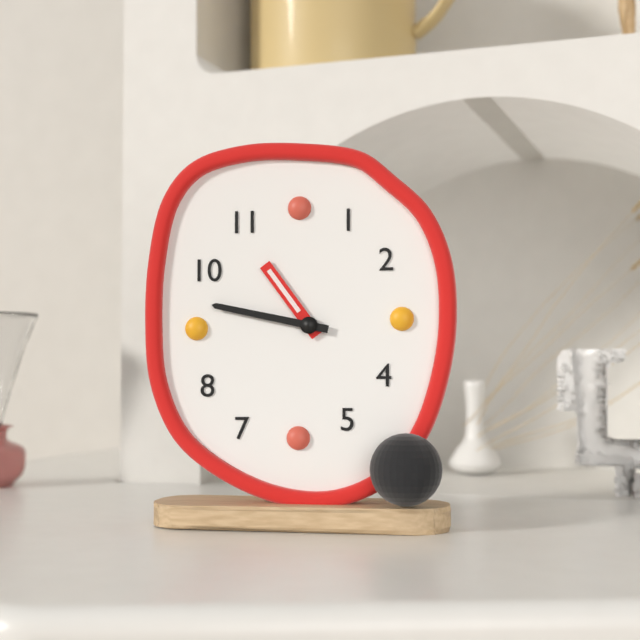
10:47
